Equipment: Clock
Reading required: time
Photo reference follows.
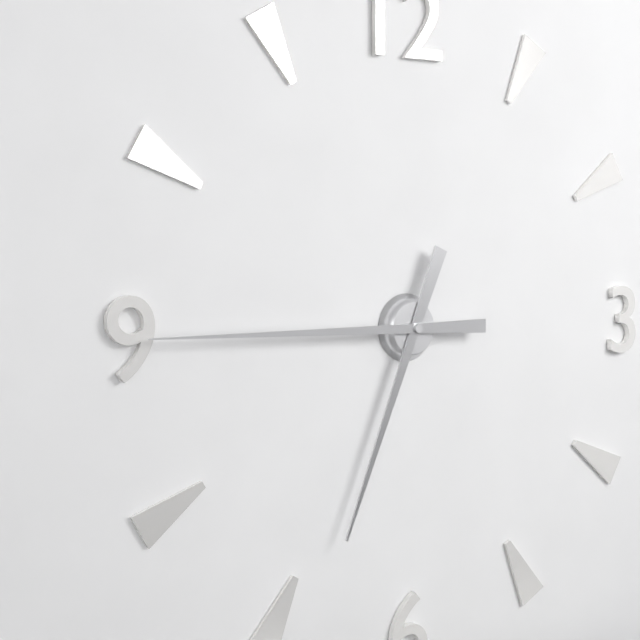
6:45
